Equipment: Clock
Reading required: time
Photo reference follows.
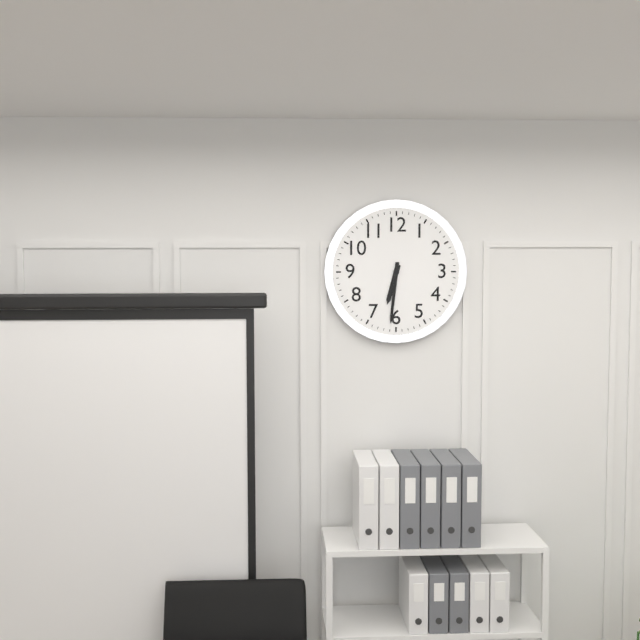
6:31
